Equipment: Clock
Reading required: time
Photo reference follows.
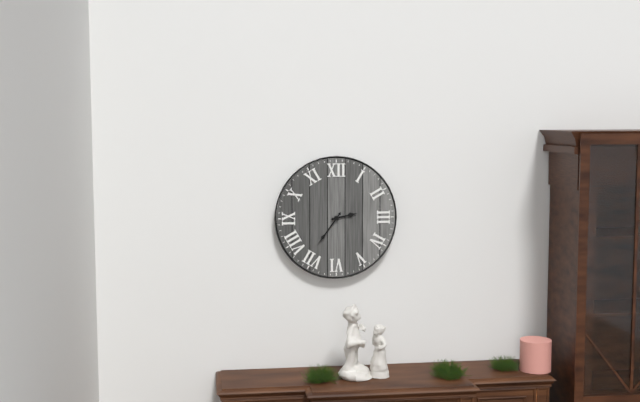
2:36
